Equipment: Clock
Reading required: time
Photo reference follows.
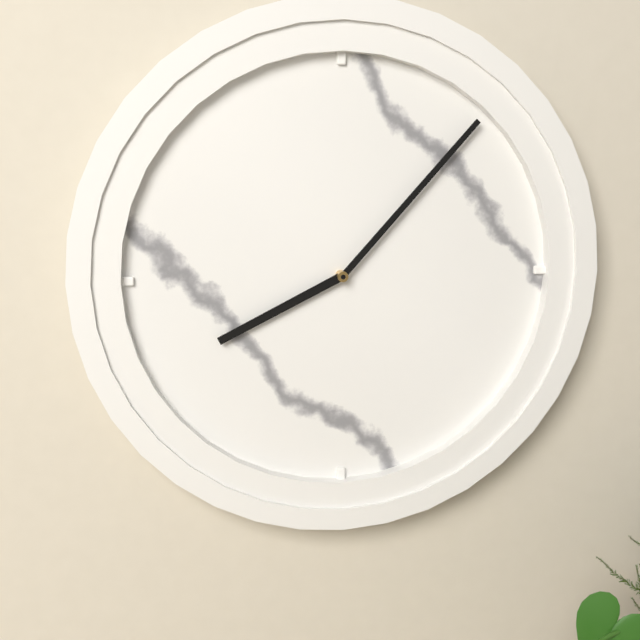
8:07
